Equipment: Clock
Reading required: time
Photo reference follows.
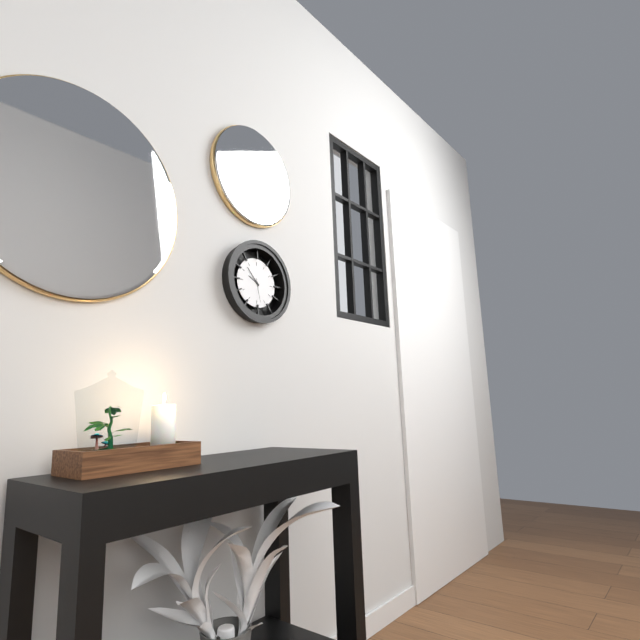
9:53
